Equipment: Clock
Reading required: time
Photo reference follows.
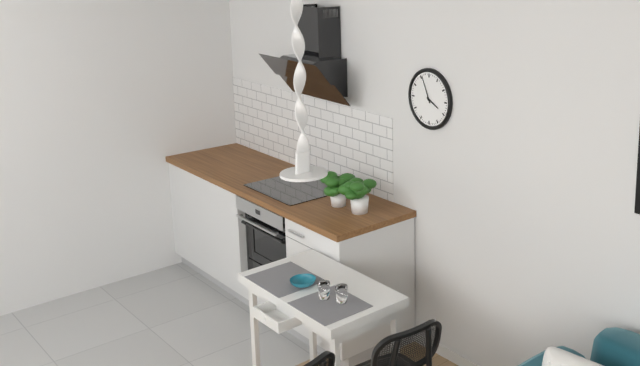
3:56
